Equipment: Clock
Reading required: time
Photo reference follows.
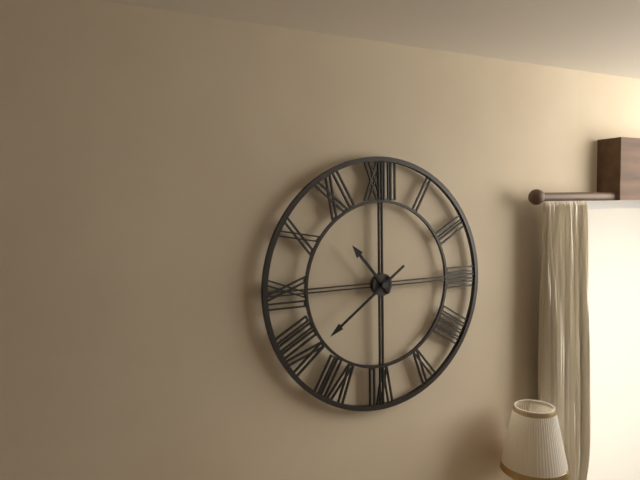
10:39
